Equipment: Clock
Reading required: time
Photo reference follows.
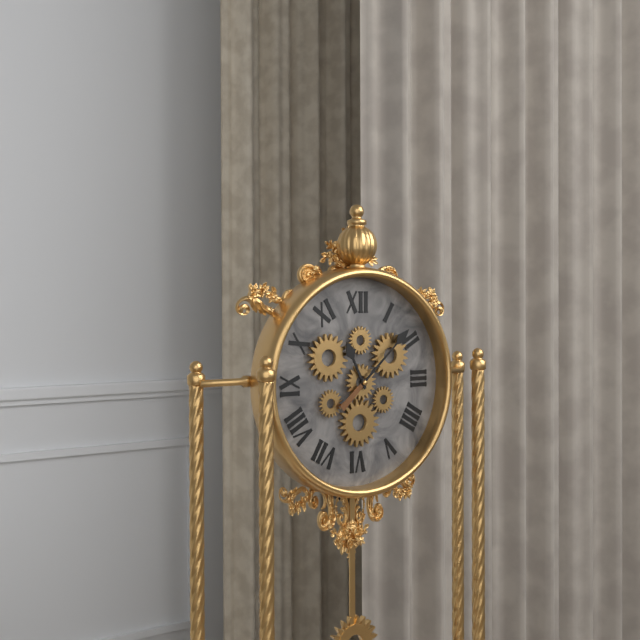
11:08
